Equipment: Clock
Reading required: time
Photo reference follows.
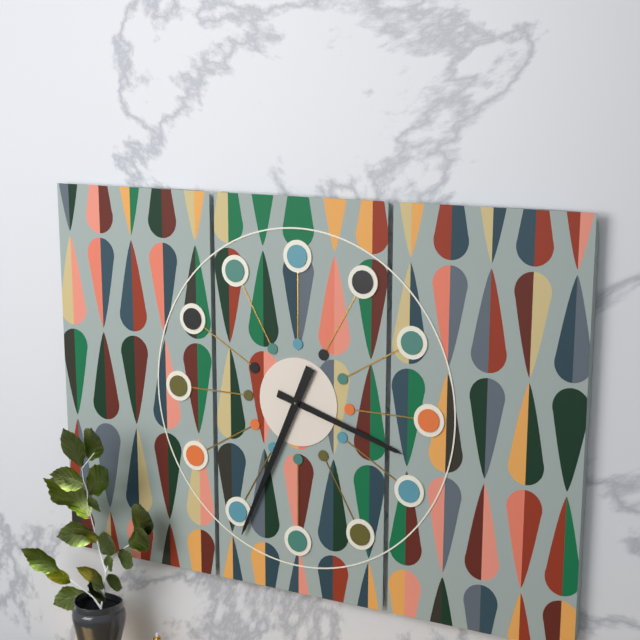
3:34
